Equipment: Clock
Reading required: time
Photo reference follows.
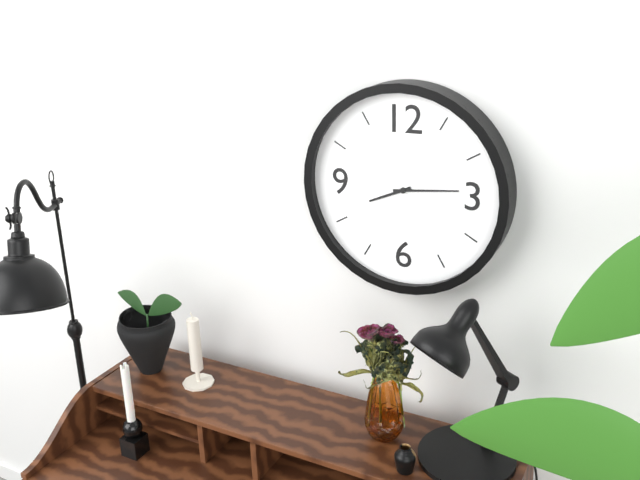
8:14
